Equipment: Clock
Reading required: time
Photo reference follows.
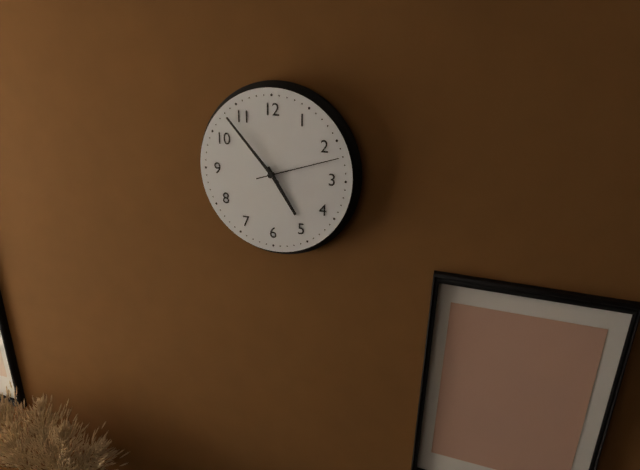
4:53:12
